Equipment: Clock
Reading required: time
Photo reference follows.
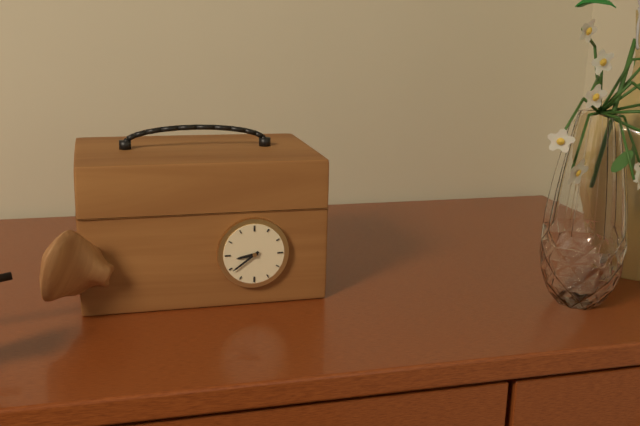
8:39
